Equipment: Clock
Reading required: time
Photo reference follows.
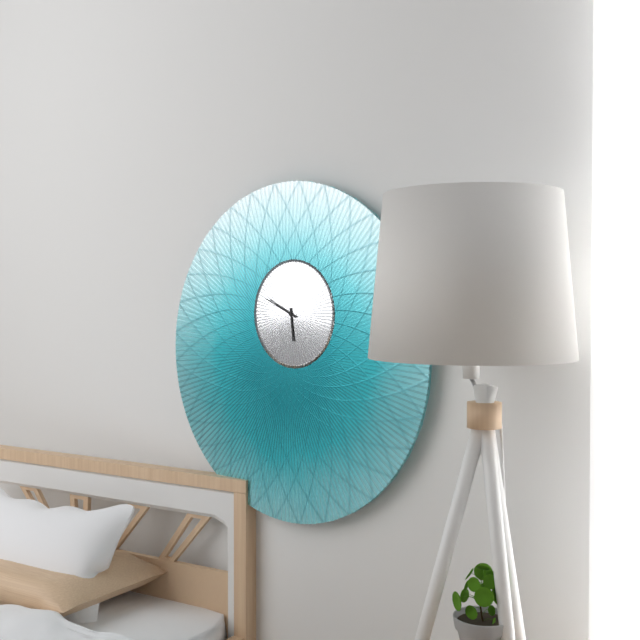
5:49
